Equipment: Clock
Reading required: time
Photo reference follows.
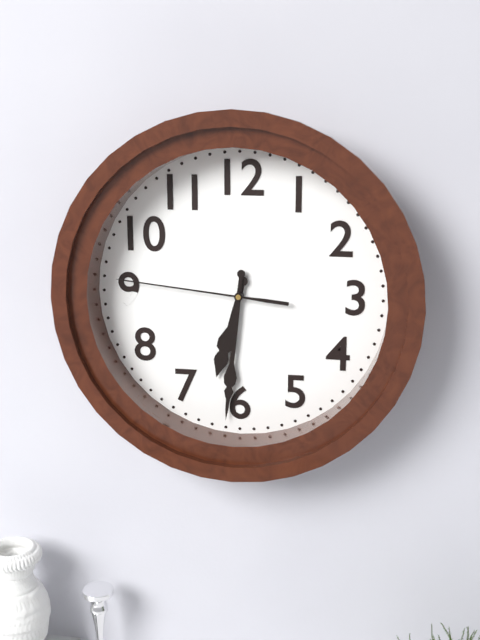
6:31:46
